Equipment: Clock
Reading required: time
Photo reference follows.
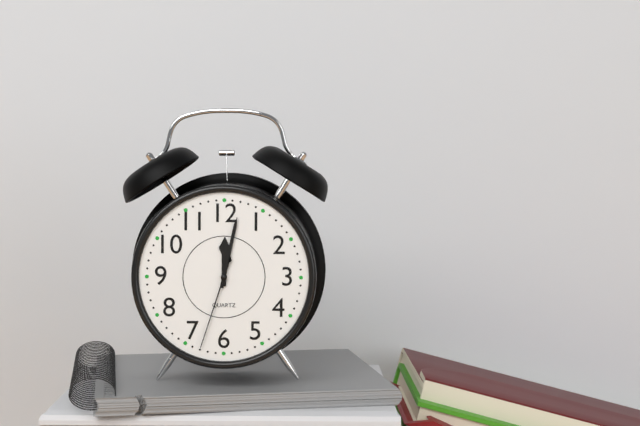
12:02:33
